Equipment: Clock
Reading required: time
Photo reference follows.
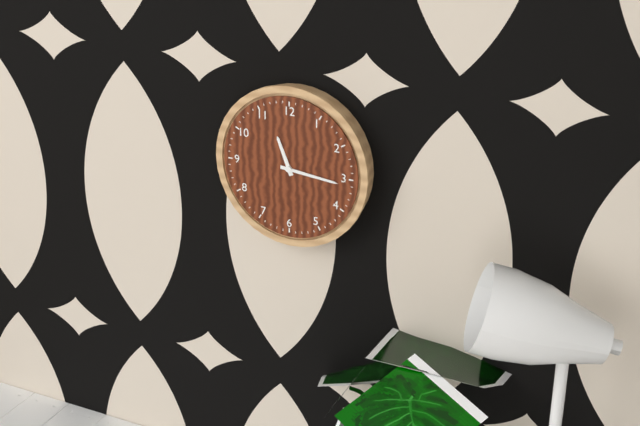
11:16
